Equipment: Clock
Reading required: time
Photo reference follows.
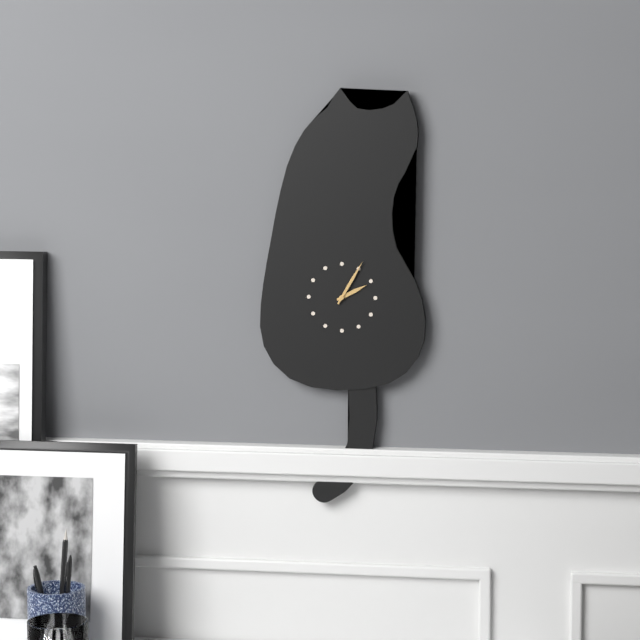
2:05
